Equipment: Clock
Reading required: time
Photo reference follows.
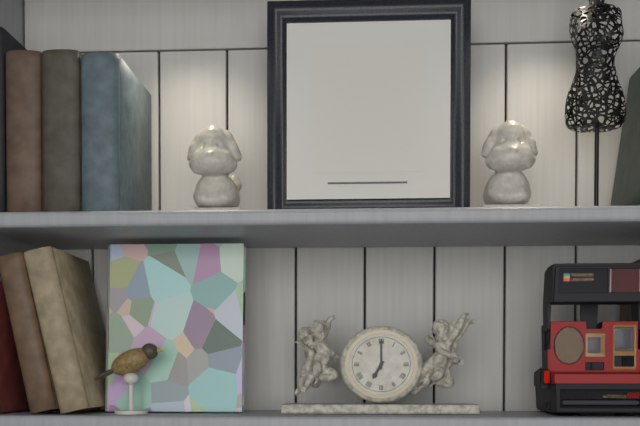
7:00
